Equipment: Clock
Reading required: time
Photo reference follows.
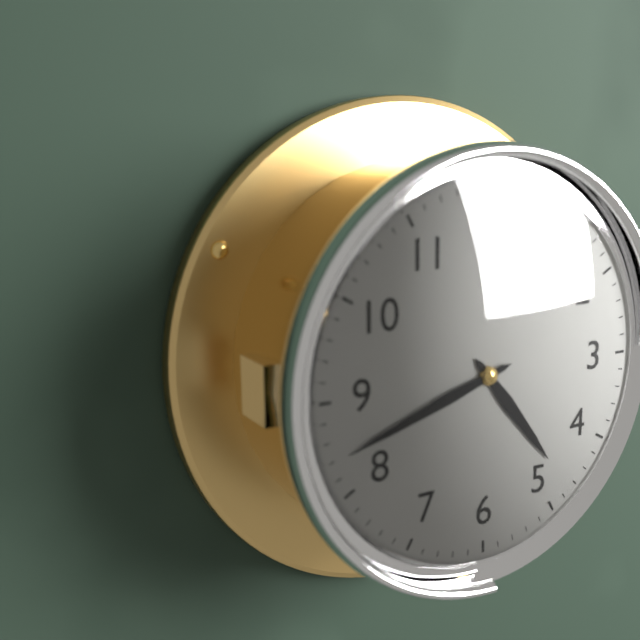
4:42
